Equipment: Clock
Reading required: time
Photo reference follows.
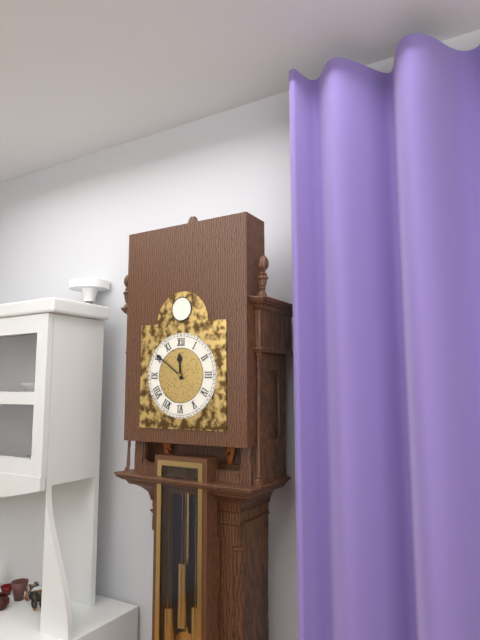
11:51
